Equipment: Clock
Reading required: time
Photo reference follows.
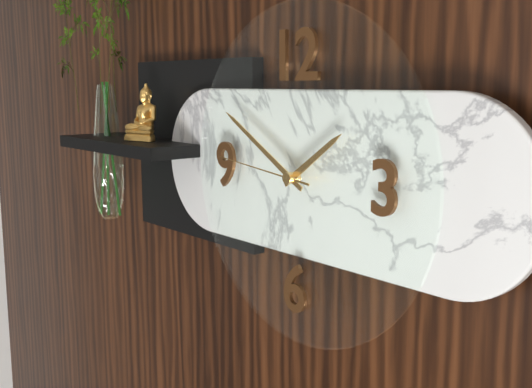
1:50:46
